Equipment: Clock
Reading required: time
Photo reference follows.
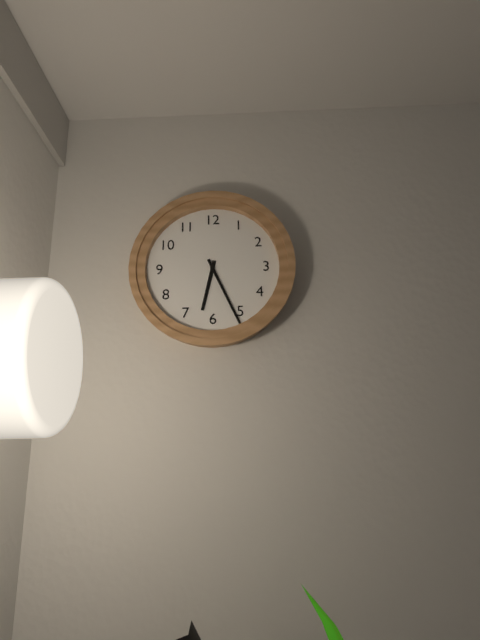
6:26
